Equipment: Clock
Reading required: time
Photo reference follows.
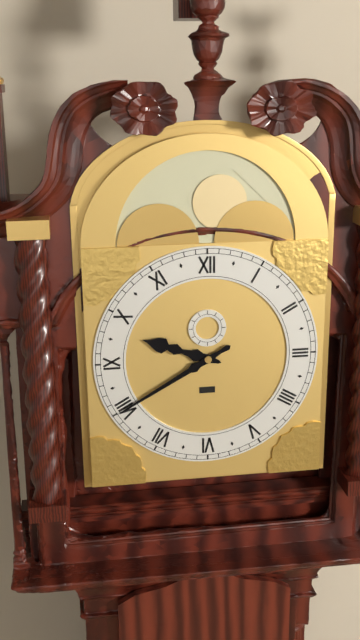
9:40
